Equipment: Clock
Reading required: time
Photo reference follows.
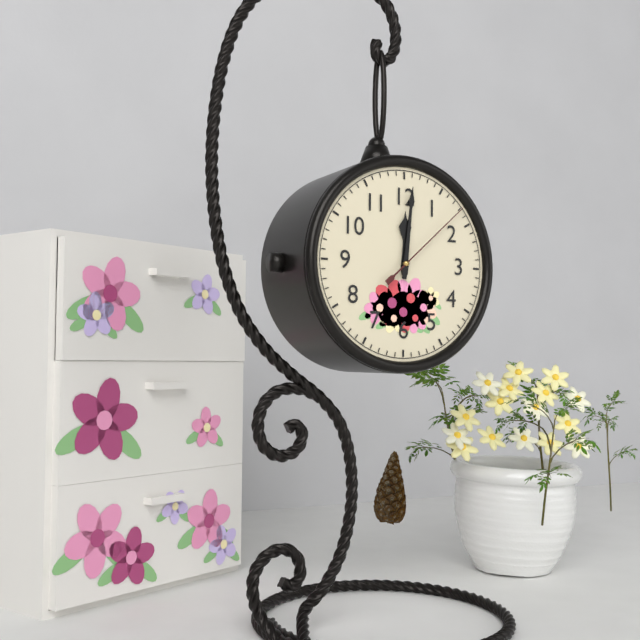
12:01:08
